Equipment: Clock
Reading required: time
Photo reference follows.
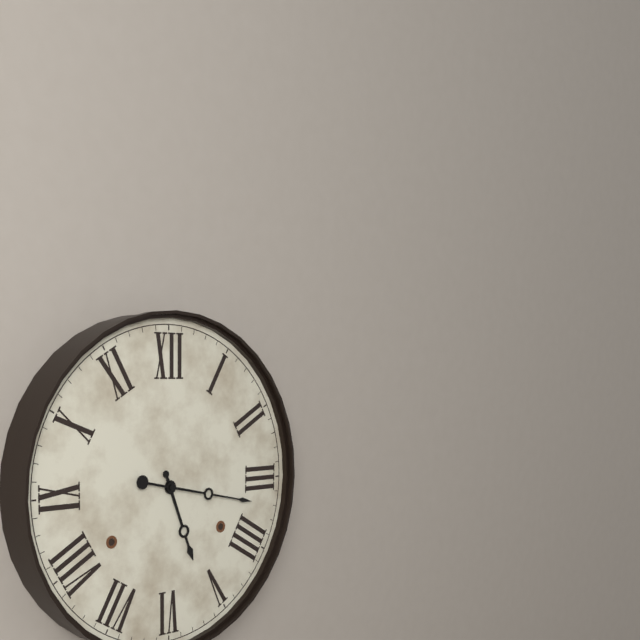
5:17
